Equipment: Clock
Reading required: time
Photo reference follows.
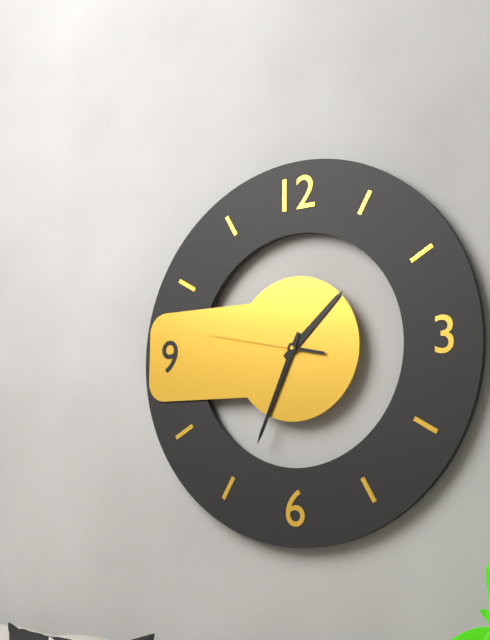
1:34:47
